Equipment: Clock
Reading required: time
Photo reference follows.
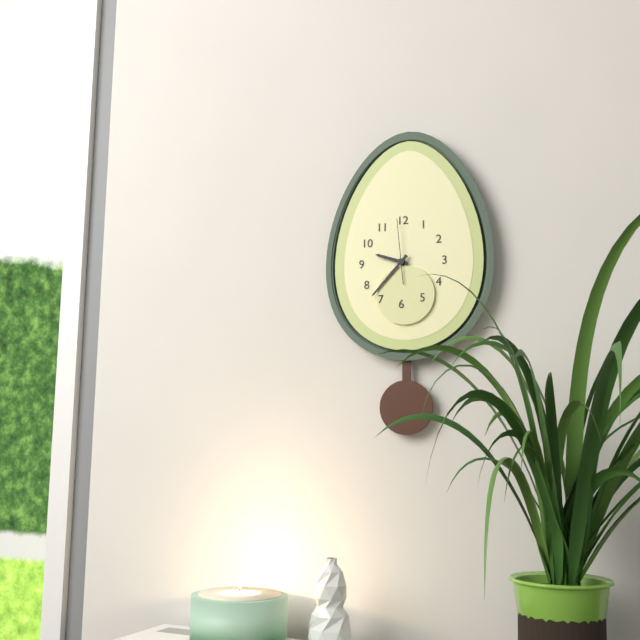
9:37:59
